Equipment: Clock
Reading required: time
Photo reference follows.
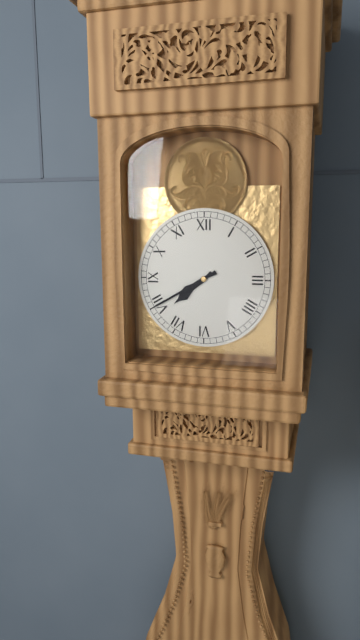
7:40
